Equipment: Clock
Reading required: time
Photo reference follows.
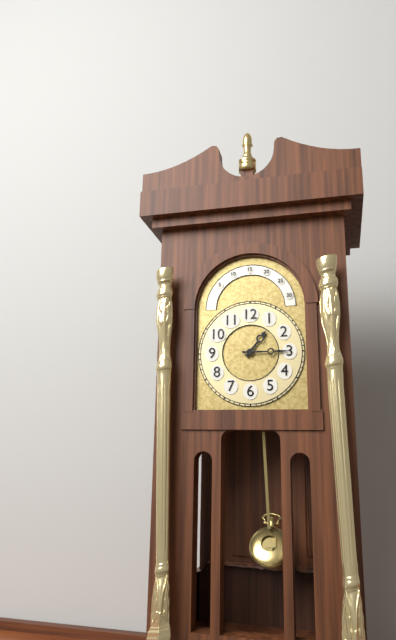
1:15
